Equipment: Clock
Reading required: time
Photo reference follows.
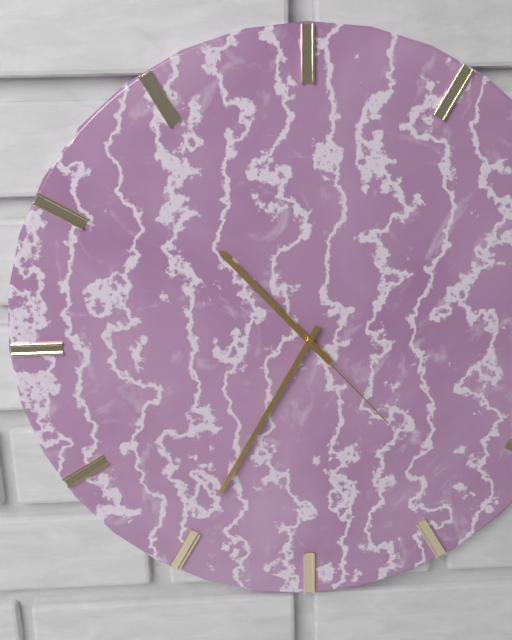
10:35:23
